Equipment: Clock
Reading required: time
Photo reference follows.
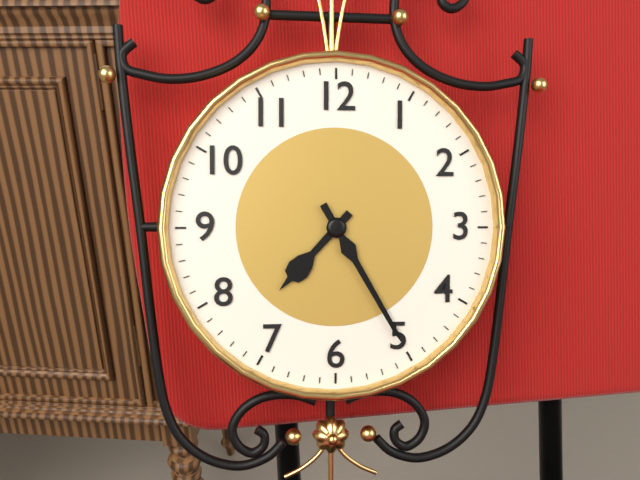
7:25
